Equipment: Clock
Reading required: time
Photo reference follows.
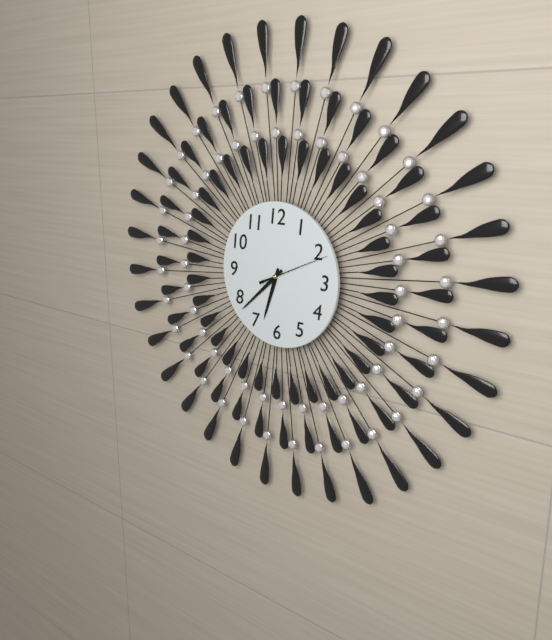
6:38:11
